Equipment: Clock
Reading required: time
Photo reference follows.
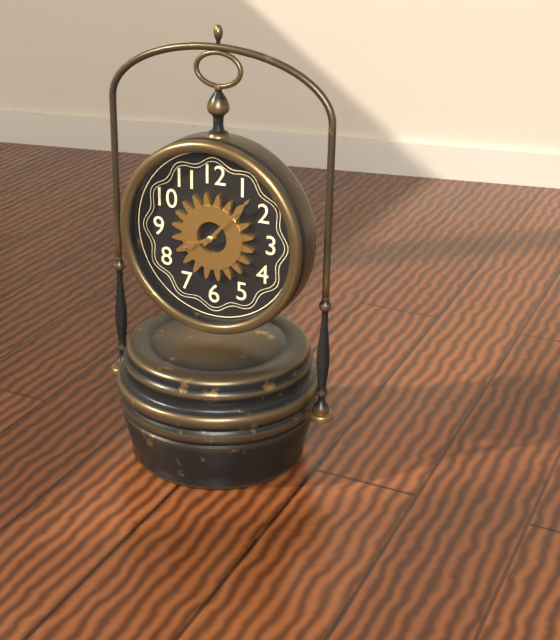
8:07
